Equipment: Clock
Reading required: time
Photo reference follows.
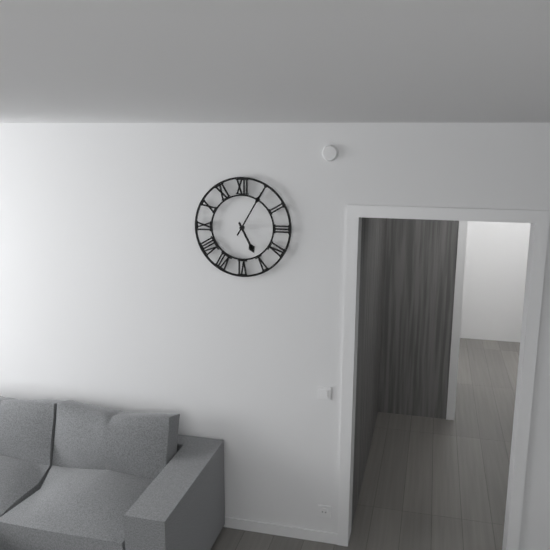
5:05
